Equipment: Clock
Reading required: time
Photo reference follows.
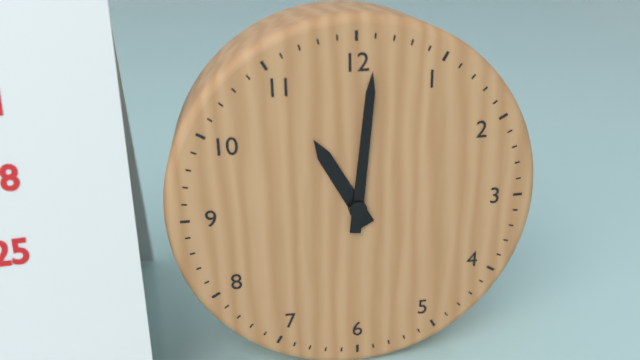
11:01
